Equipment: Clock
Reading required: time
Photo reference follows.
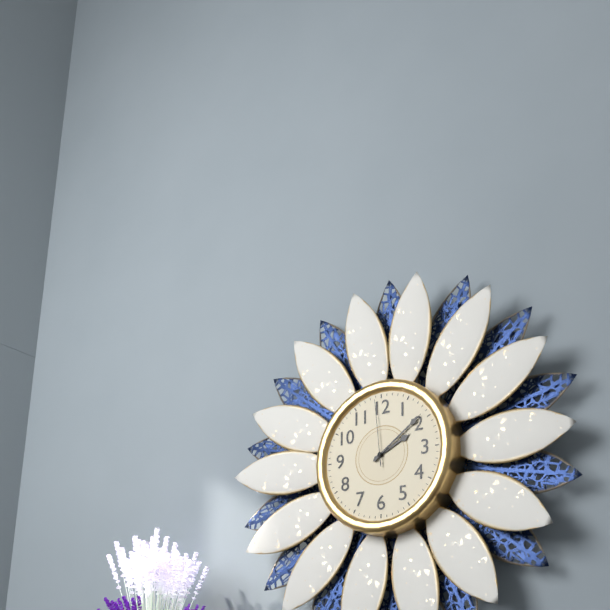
2:09:59
